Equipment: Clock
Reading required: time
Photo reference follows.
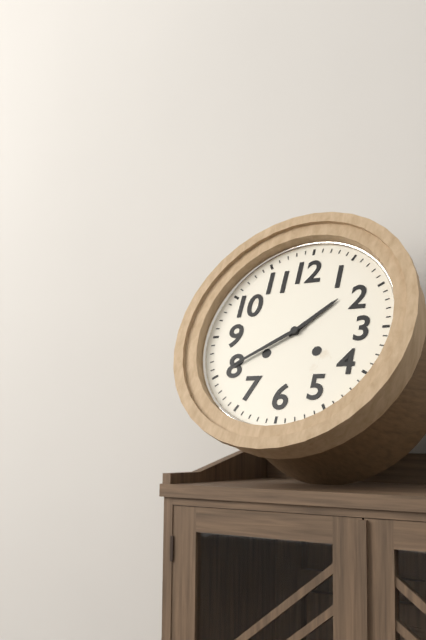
1:40
